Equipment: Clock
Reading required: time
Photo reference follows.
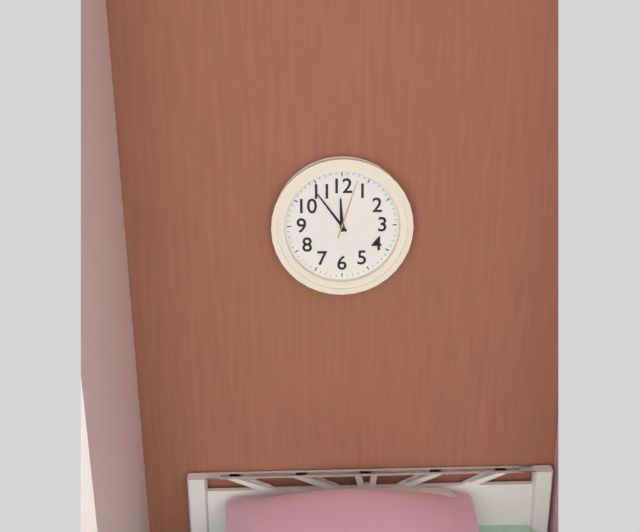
11:54:03
